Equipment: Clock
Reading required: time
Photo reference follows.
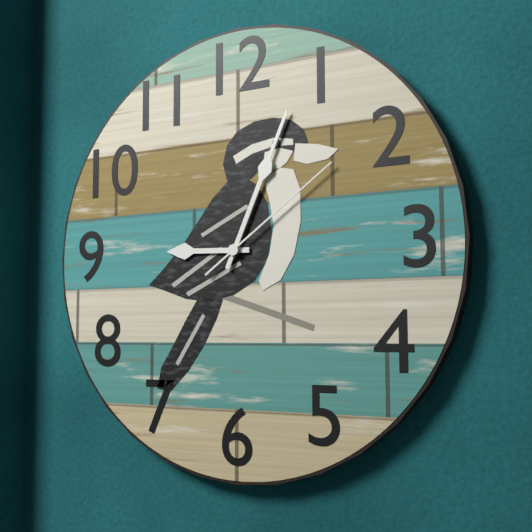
9:04:09
